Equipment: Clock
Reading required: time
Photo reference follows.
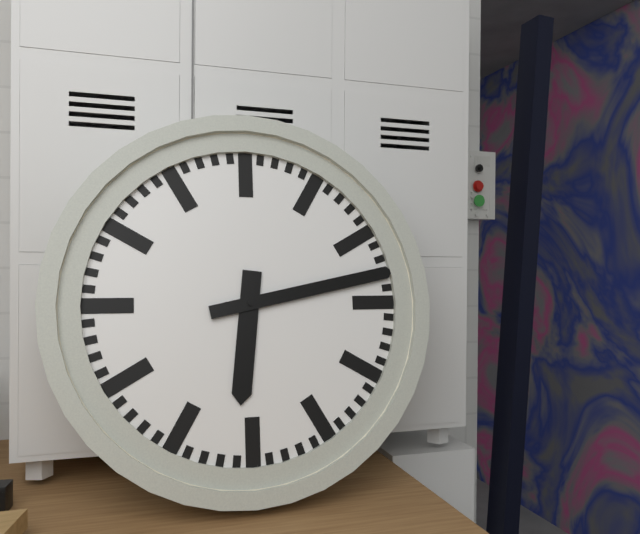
6:13
